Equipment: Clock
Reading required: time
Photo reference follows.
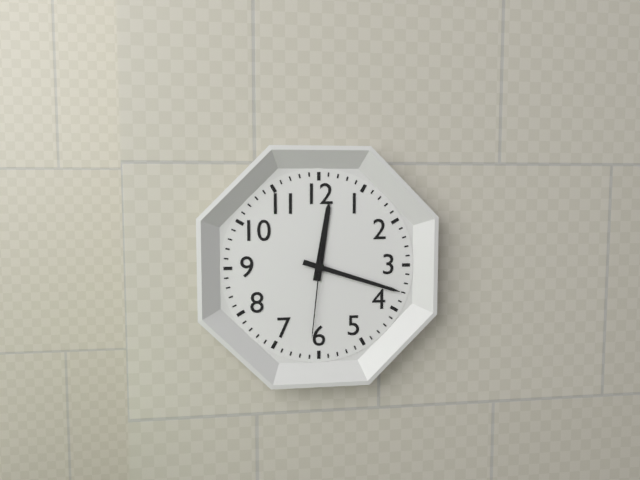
12:18:31
